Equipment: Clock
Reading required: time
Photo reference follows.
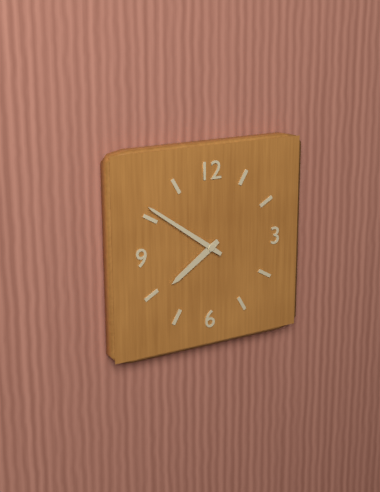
7:51
